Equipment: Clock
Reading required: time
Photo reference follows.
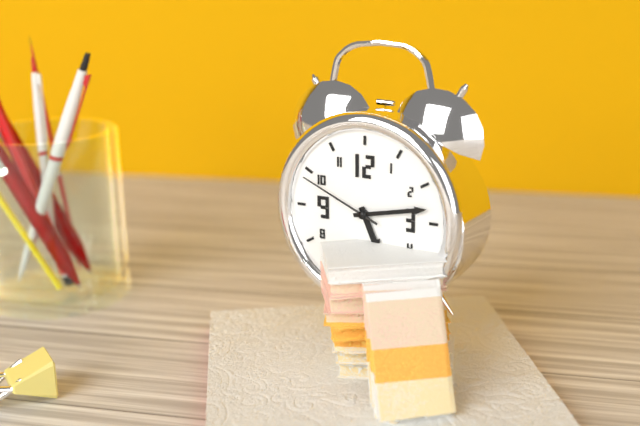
5:13:49
